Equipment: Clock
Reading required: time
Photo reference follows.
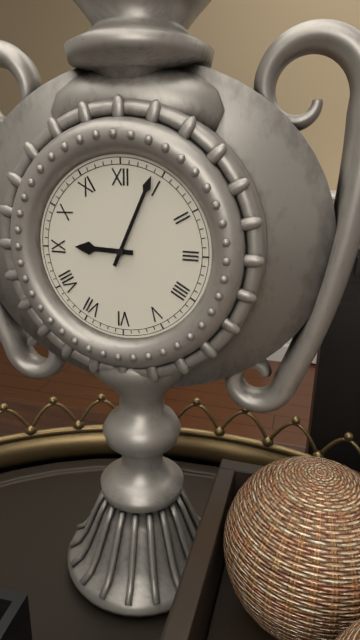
9:04
